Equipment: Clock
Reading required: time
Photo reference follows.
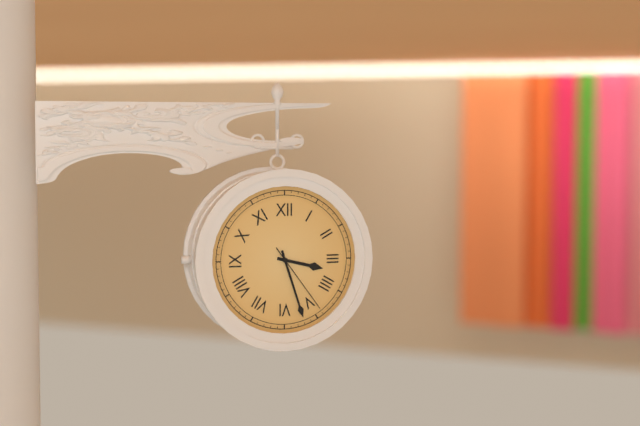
3:27:24
